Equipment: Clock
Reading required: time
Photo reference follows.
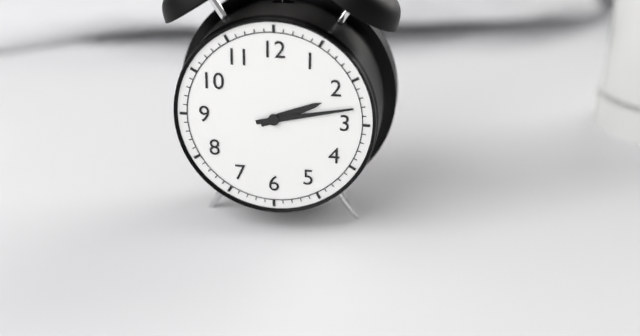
2:13
